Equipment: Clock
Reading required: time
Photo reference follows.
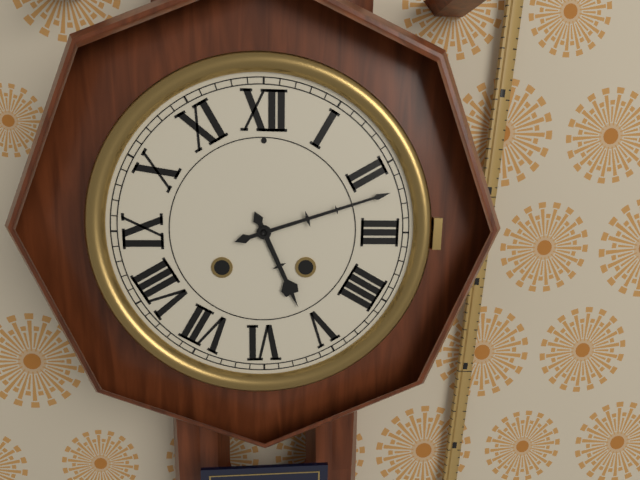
5:12
